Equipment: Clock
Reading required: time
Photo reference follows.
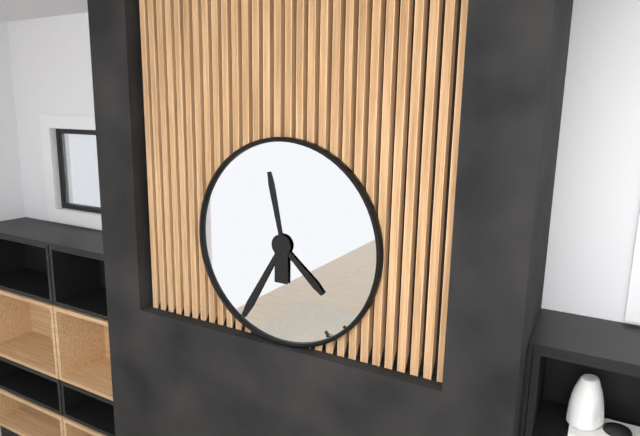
11:35:22
